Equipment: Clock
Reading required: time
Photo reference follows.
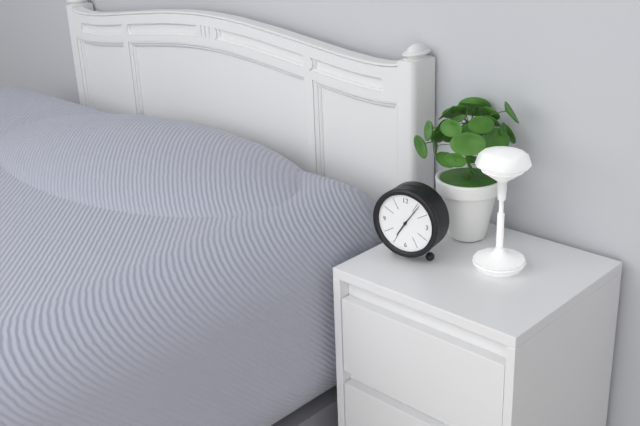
7:06
